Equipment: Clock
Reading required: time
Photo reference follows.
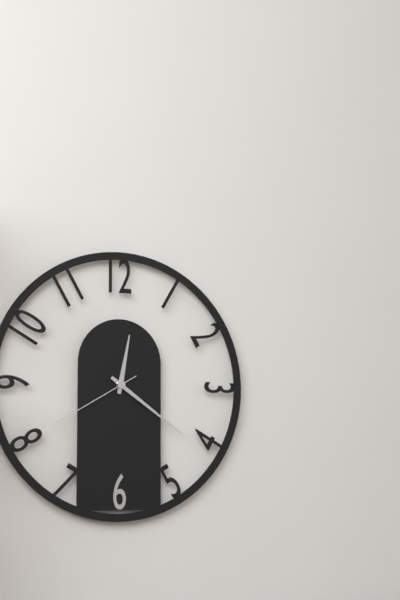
12:21:40
